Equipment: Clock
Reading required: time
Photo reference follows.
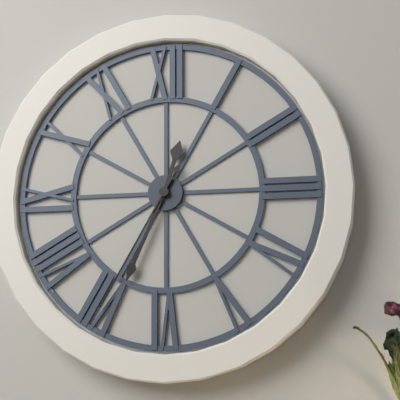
12:34:35
